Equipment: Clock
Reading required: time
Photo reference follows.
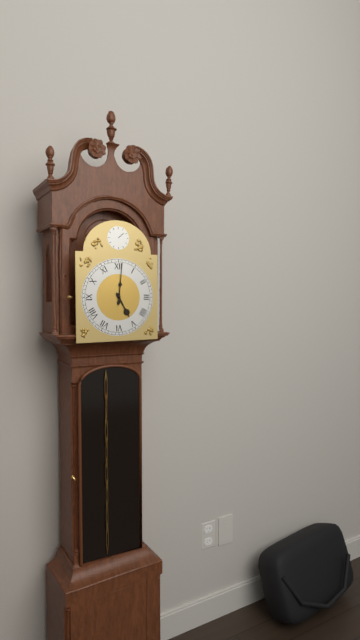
5:01
